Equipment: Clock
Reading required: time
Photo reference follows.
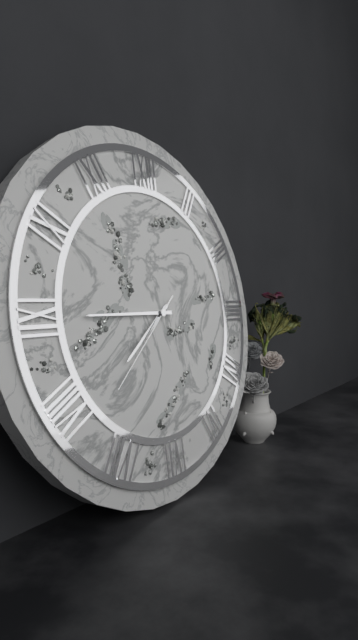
7:45:38
